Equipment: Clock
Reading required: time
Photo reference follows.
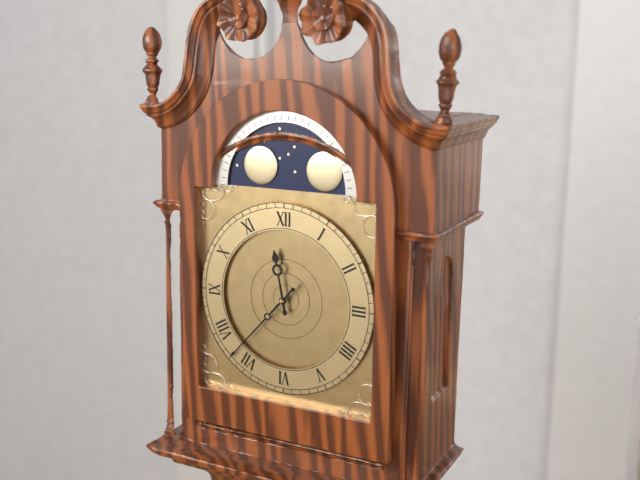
11:37
